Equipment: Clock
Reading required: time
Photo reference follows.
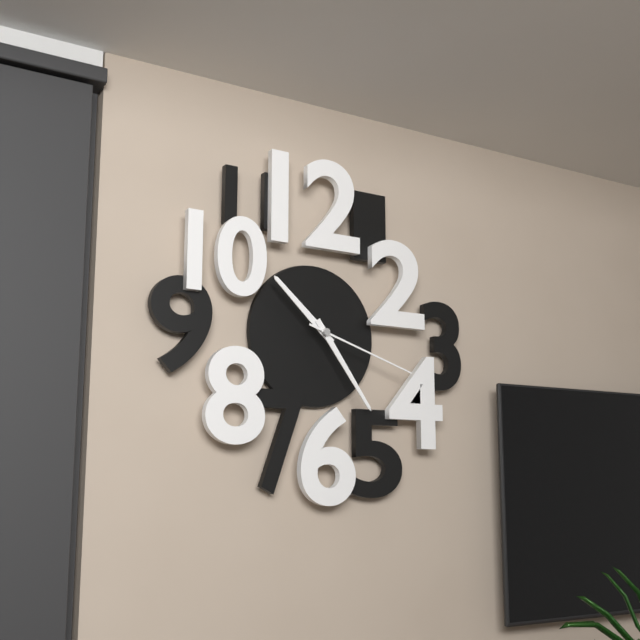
10:24:18
